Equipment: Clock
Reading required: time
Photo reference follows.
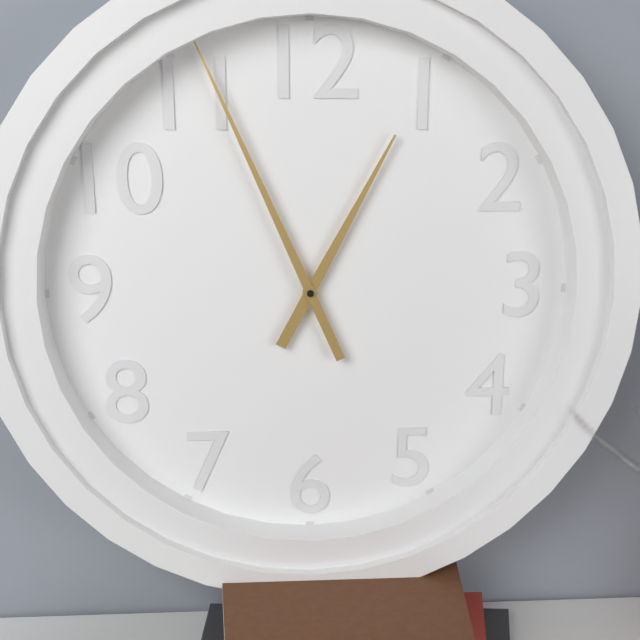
12:56
